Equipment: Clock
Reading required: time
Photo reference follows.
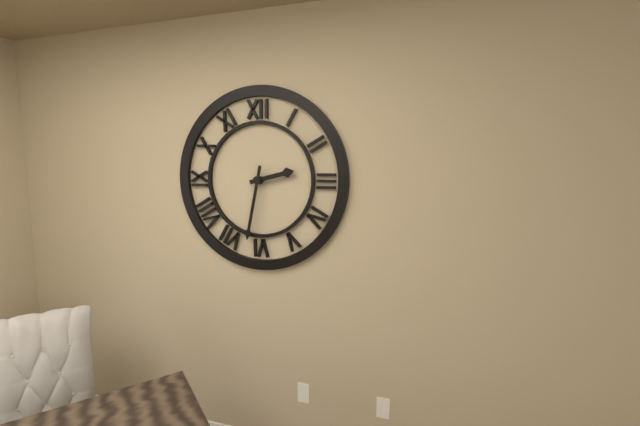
2:32
